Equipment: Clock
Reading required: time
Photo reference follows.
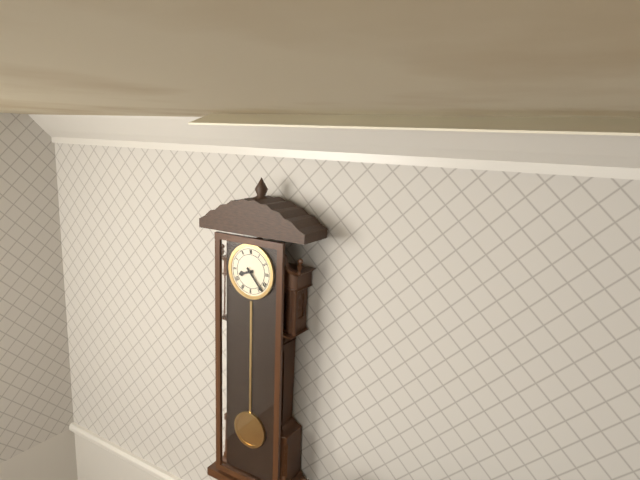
8:23
